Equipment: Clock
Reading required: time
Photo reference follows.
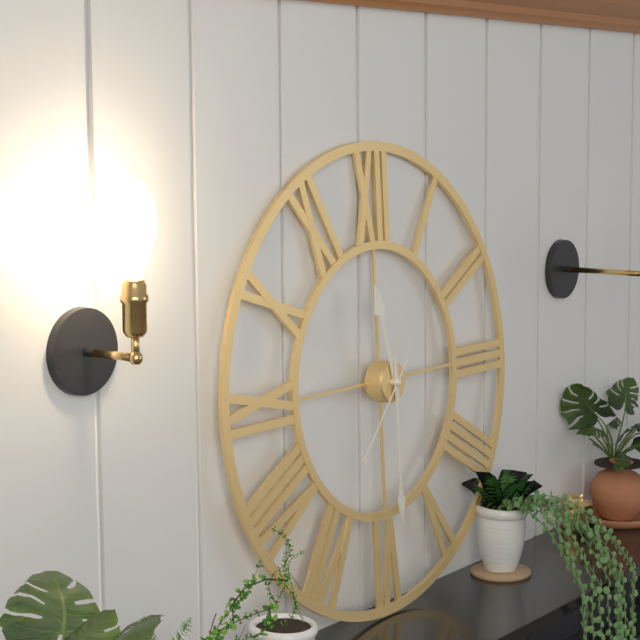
11:30:37
